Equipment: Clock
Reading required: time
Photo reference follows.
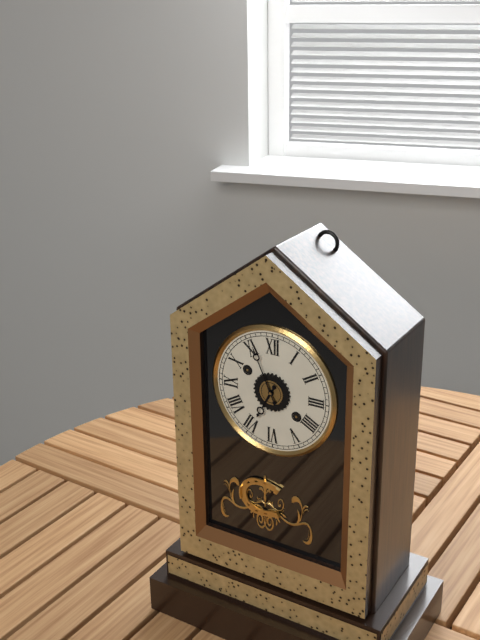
6:56
